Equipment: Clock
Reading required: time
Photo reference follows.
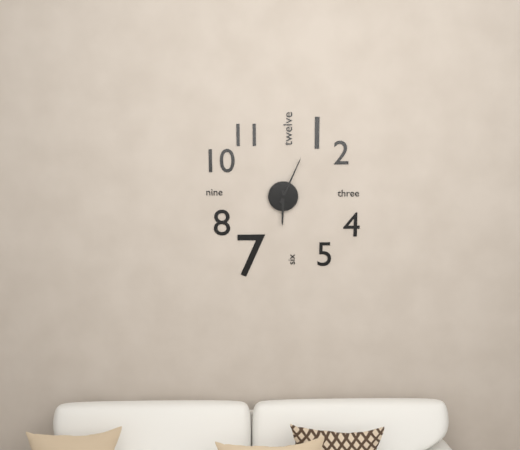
6:04
